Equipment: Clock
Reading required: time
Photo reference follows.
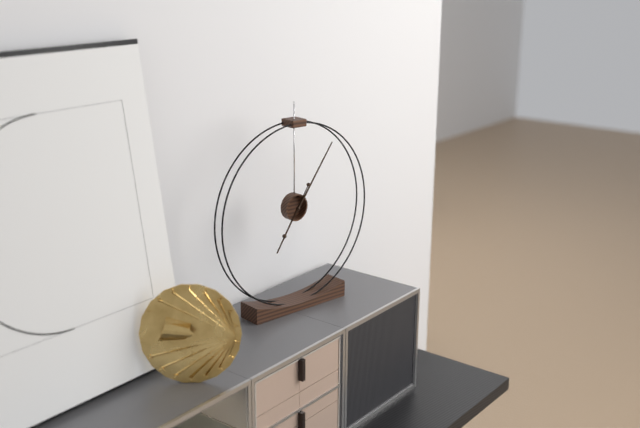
7:06
